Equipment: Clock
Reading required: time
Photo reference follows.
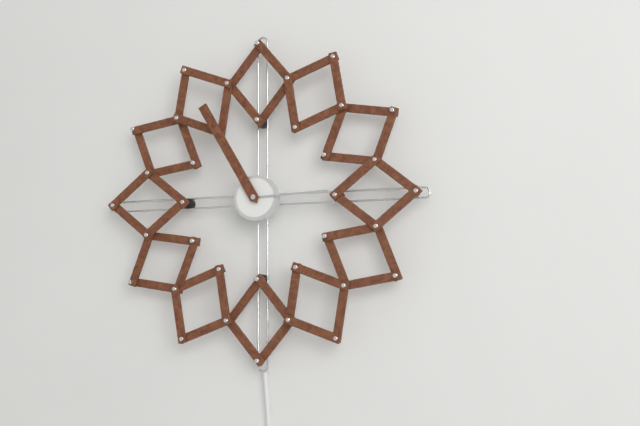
2:55
